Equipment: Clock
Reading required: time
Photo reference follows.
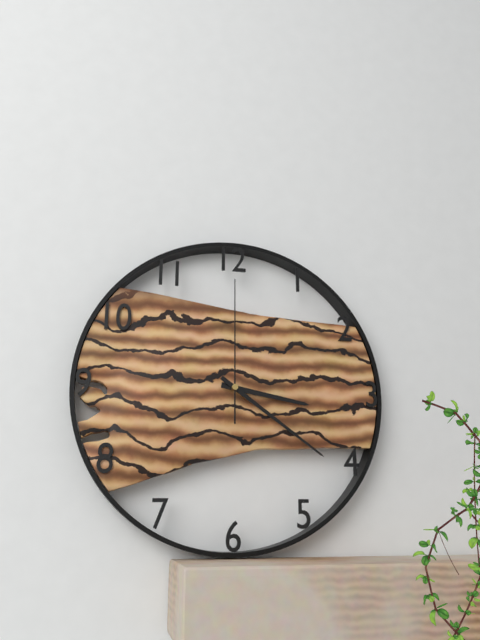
3:21:00
